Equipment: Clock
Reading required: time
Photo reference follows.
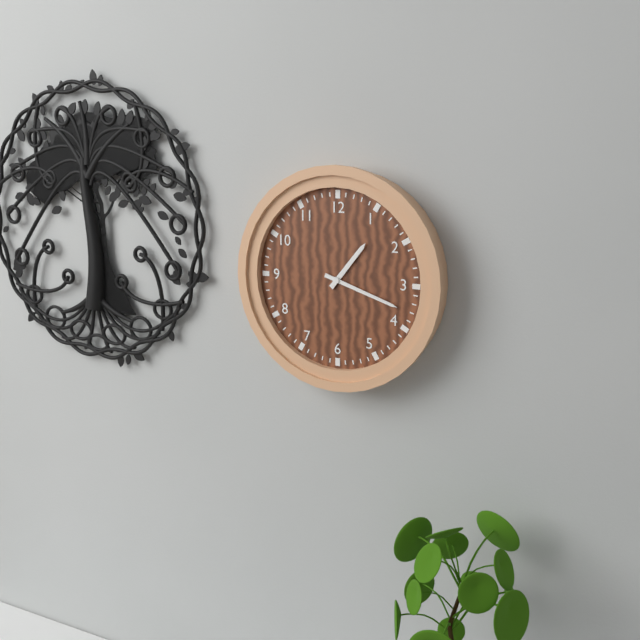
1:18
